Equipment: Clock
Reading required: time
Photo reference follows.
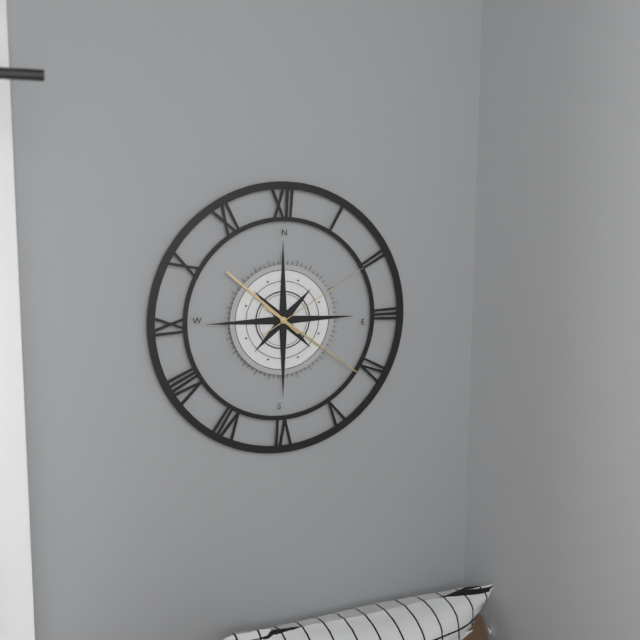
10:21:10
